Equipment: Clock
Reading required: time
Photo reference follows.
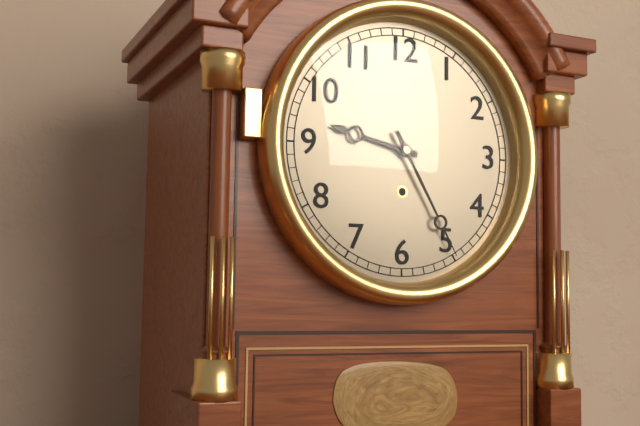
9:25
